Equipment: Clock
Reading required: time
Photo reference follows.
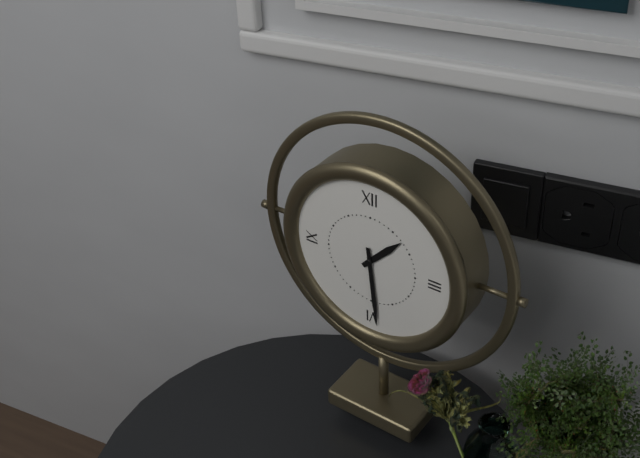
1:29
